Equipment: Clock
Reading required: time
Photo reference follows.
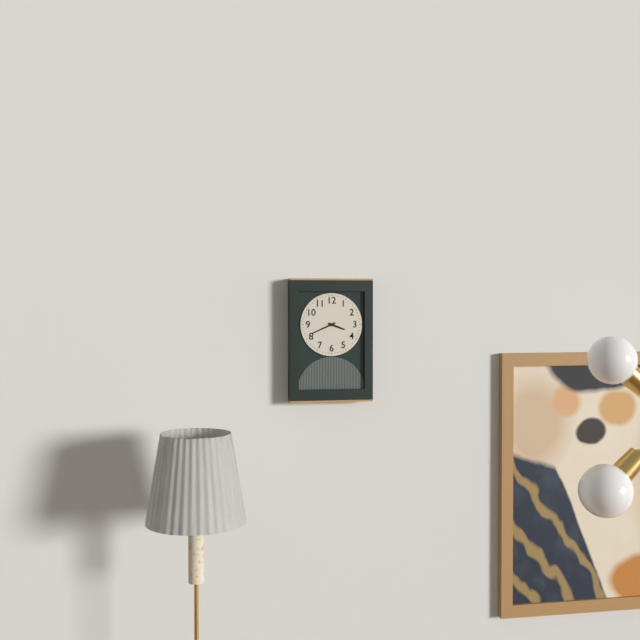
3:41
